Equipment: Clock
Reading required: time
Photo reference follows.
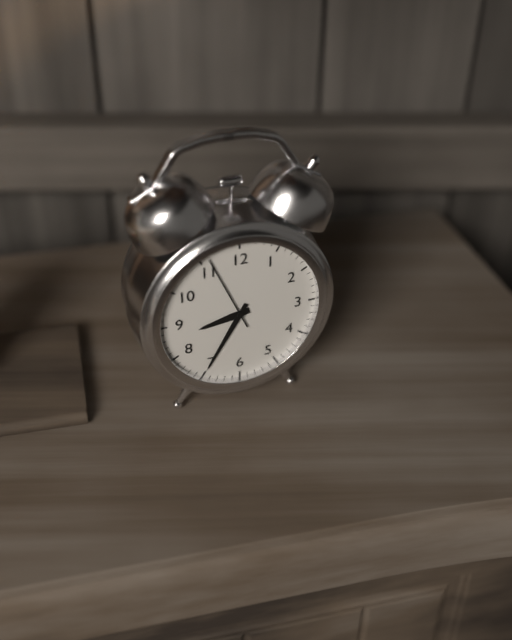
8:35:56
